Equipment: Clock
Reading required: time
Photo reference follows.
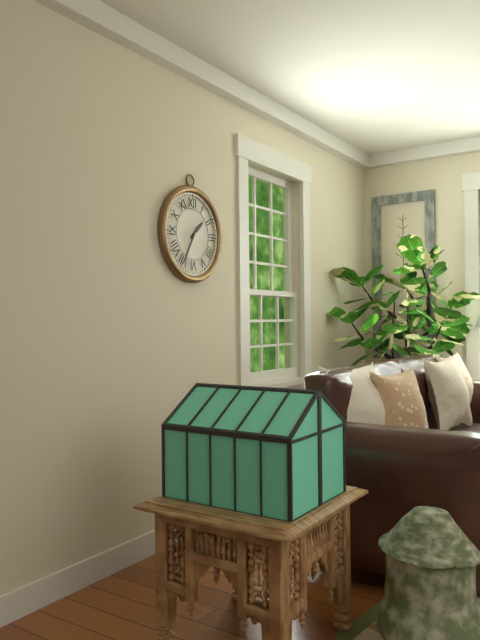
1:35
